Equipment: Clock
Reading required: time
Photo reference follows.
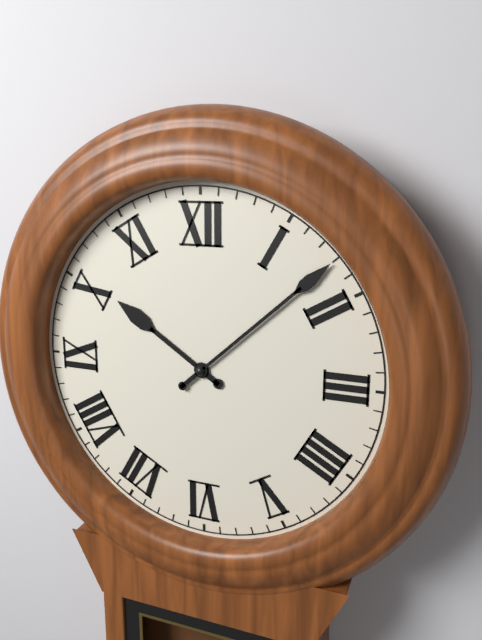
10:08
